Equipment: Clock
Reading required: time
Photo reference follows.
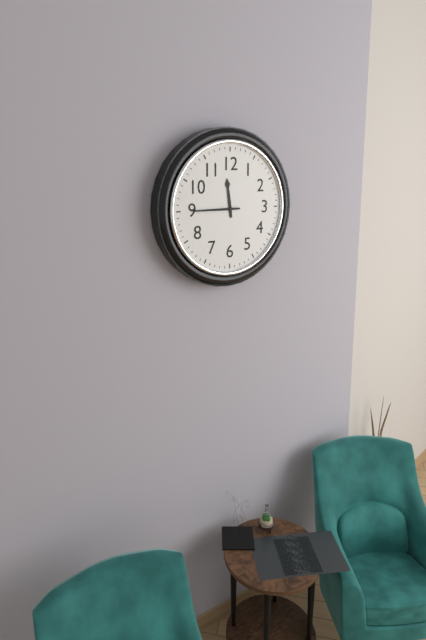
11:45
